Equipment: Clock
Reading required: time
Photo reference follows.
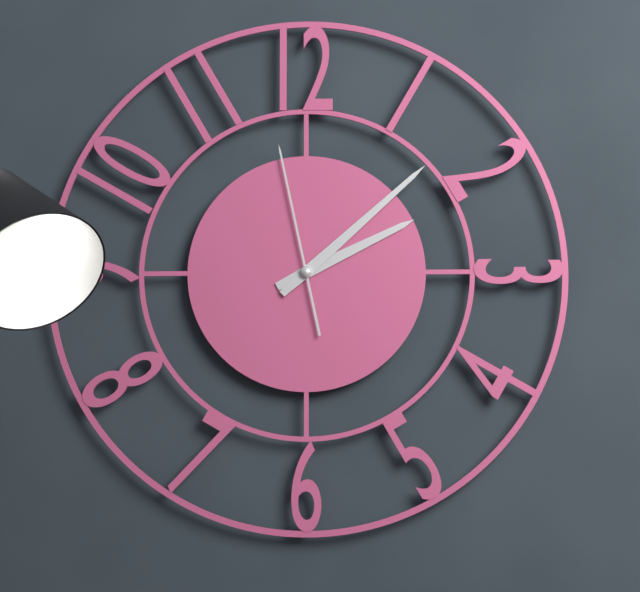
2:08:58
